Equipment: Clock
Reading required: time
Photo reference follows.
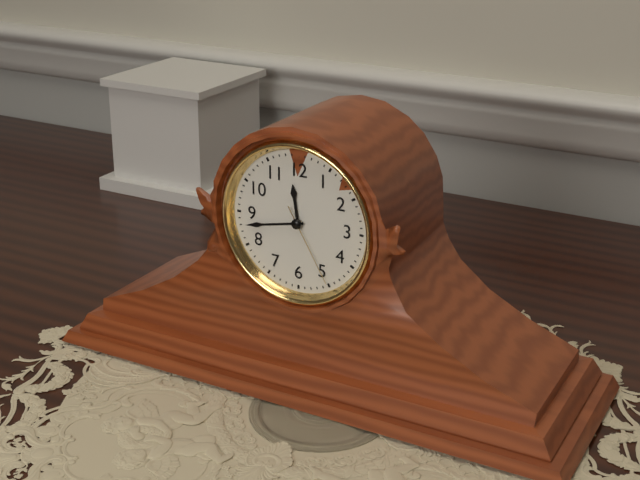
11:43:25
